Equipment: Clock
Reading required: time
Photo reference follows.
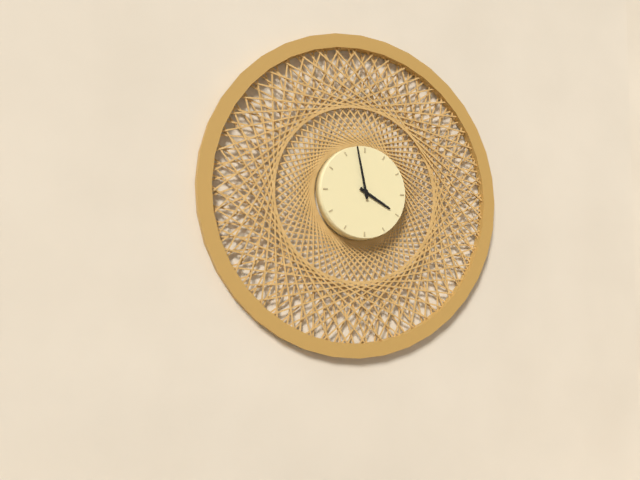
3:58
